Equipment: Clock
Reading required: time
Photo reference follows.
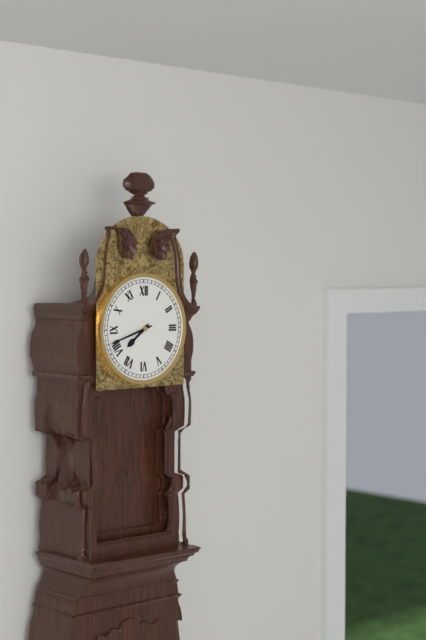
7:42
